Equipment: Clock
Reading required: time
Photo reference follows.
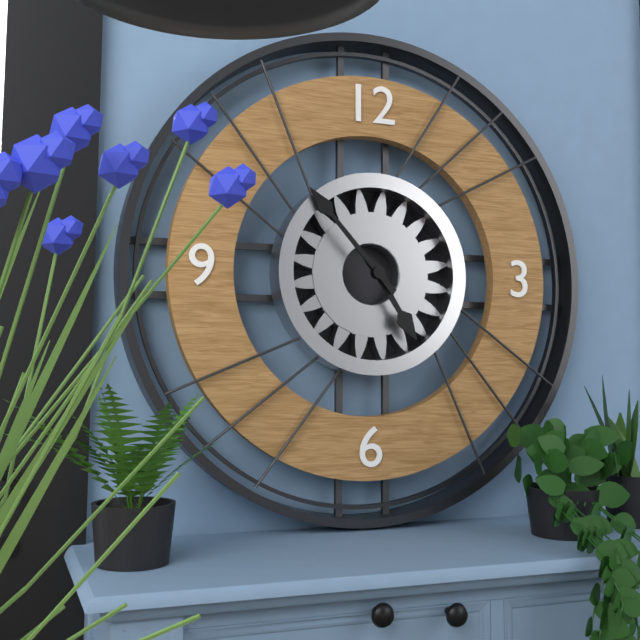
4:53
